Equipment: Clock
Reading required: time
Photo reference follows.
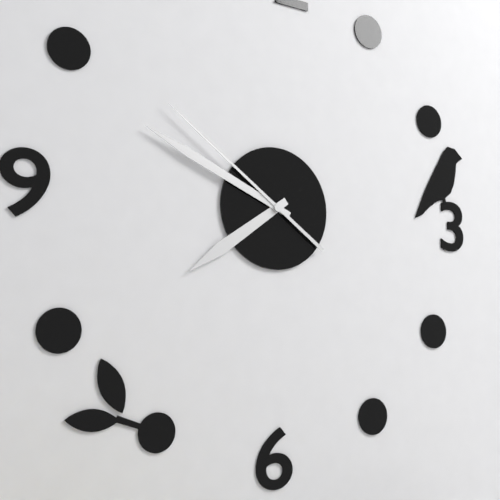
7:49:51
